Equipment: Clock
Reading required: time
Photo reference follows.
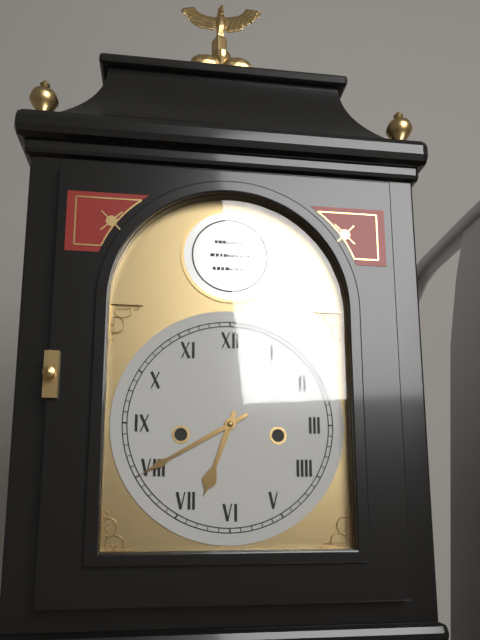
6:40
